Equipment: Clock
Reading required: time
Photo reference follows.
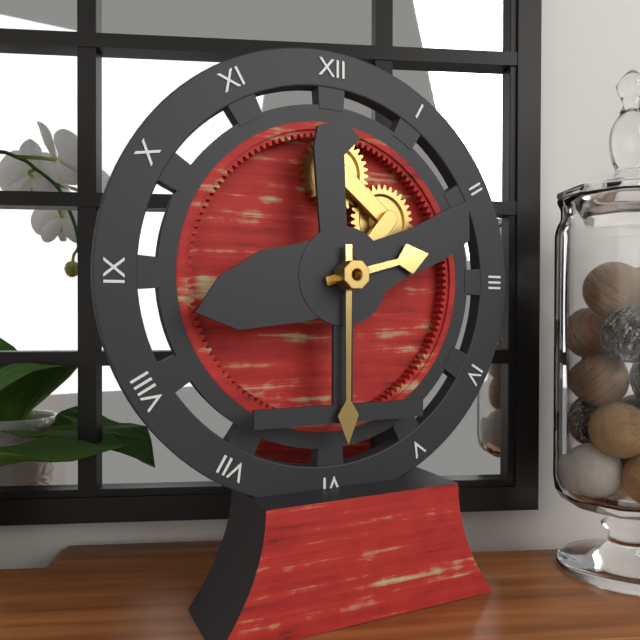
2:30
